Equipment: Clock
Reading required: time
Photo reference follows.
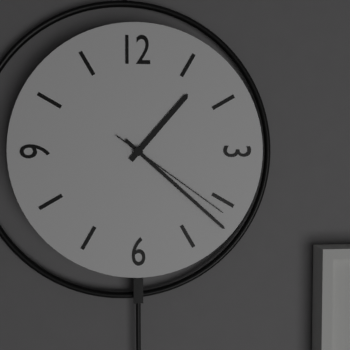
1:22:21
